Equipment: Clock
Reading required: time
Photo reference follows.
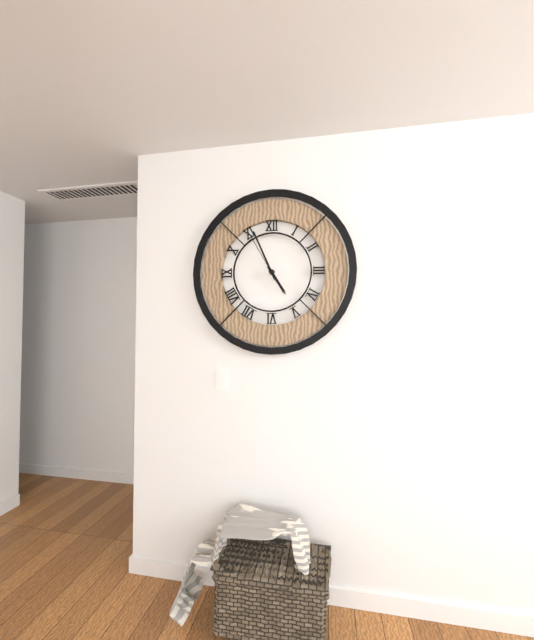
4:56:55
